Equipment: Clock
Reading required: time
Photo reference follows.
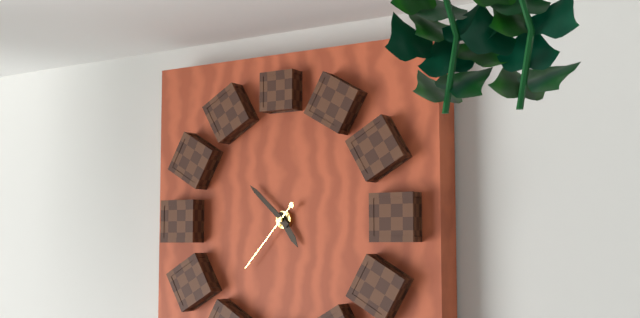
4:52:37
